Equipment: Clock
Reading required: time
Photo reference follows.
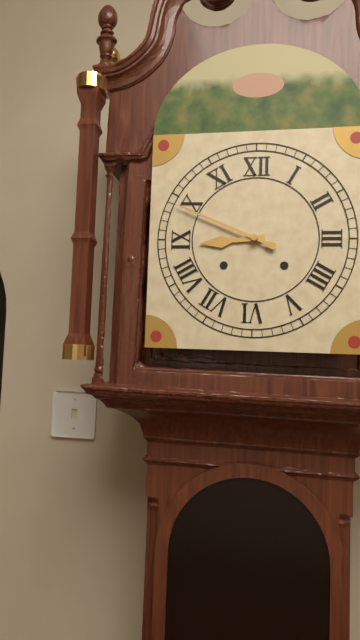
8:49
